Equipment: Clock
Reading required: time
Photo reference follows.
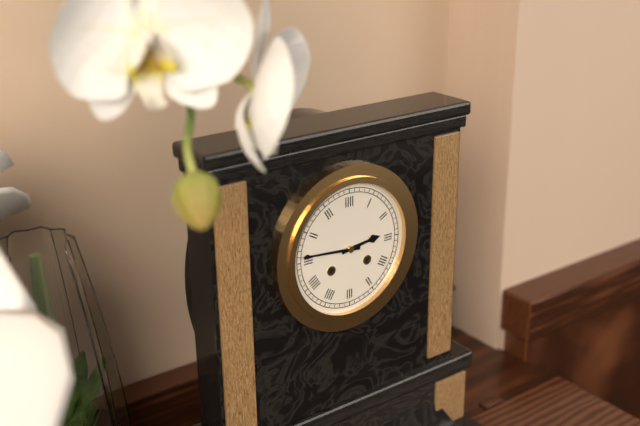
2:46
